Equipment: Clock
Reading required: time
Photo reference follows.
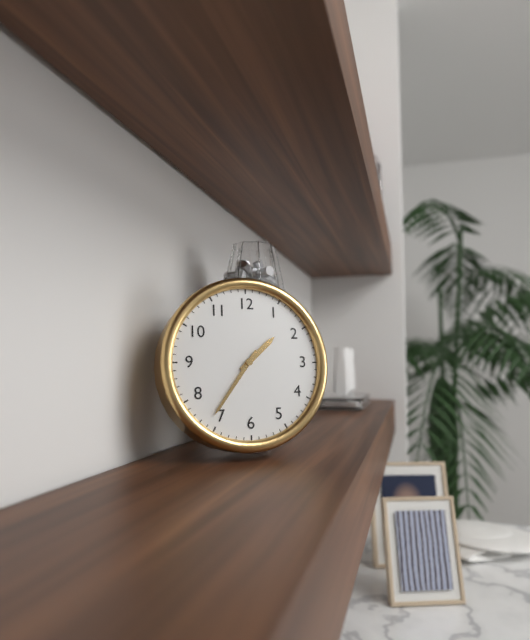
1:36
